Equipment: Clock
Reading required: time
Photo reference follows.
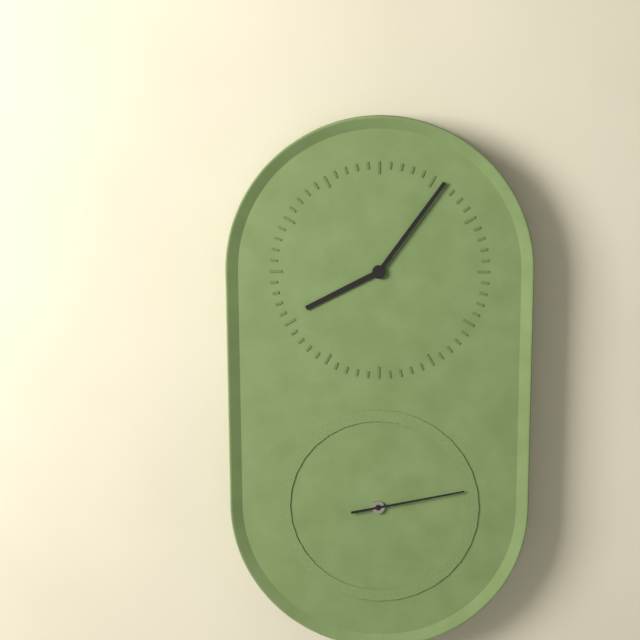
8:06:13
